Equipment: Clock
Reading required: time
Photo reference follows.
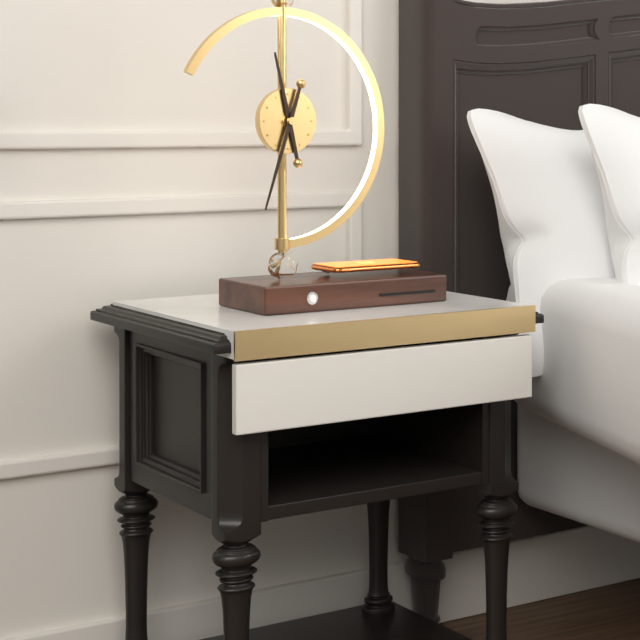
11:33
